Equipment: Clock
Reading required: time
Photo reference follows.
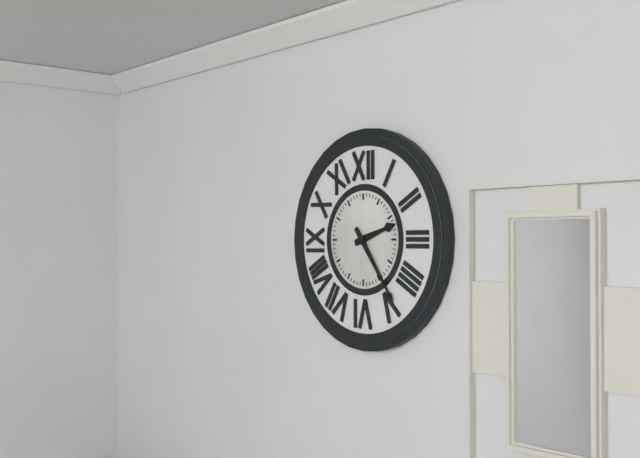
2:24
